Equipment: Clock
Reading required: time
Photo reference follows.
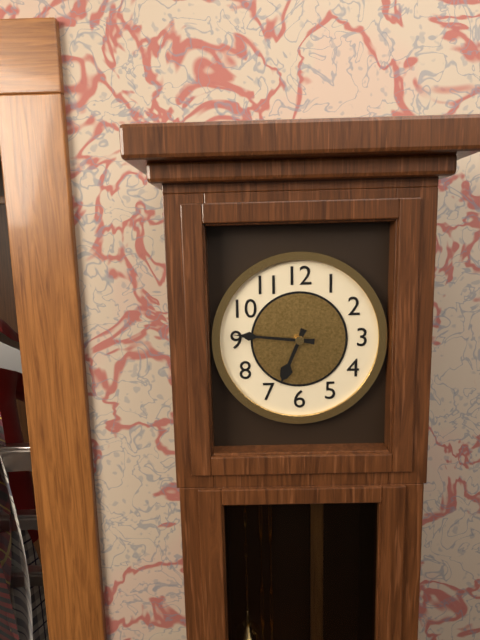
6:46
